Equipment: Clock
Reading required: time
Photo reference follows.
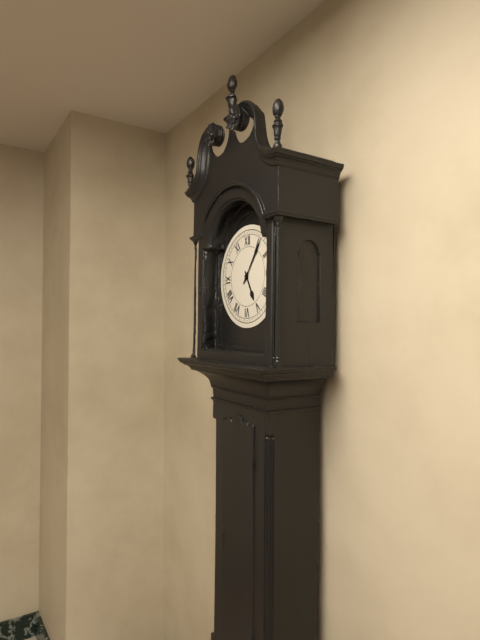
5:06
